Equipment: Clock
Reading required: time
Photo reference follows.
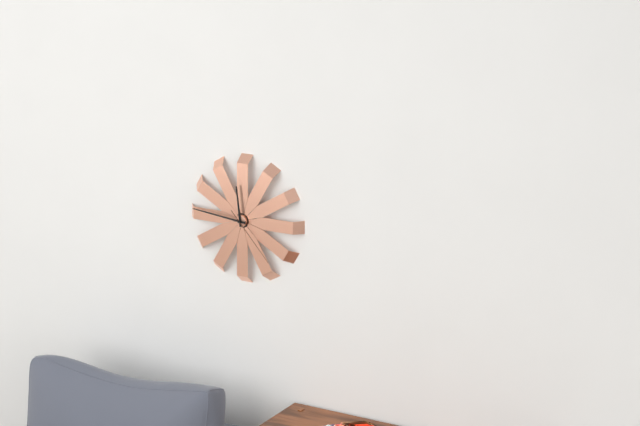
11:46:23
